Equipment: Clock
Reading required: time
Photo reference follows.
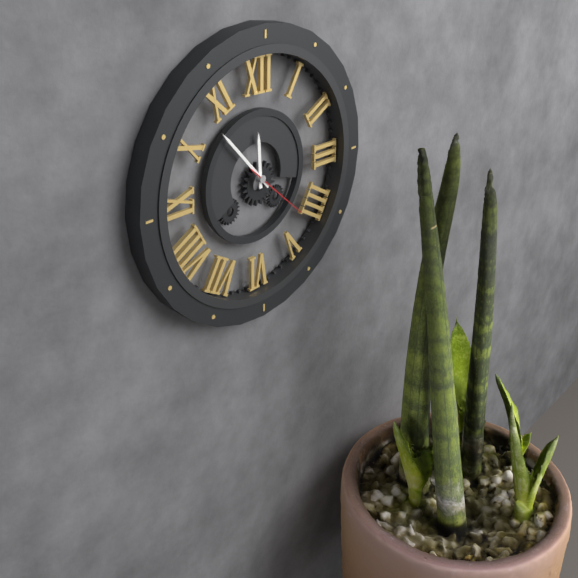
11:53:22
